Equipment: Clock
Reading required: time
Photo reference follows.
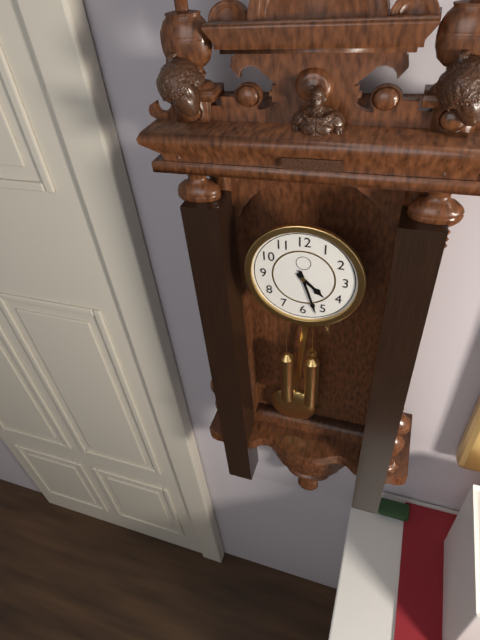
4:27
